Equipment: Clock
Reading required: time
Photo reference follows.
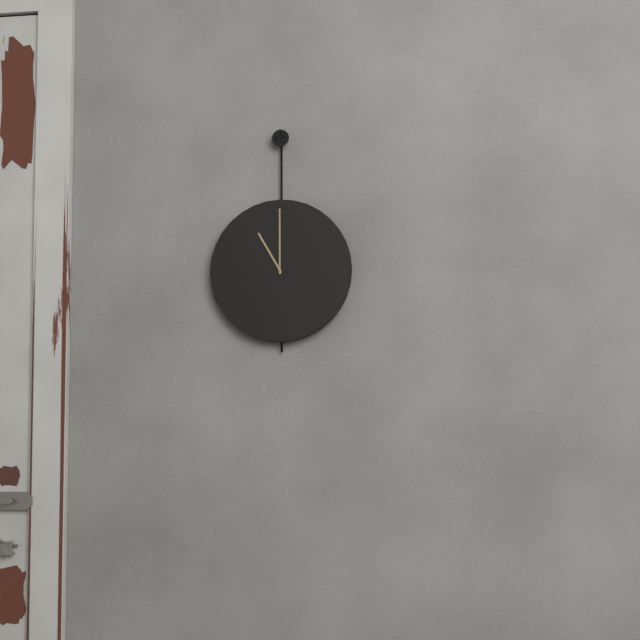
11:00
